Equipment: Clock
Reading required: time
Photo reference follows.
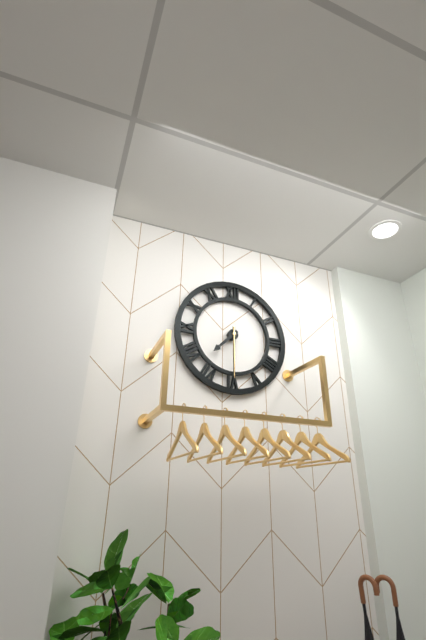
7:30:30
